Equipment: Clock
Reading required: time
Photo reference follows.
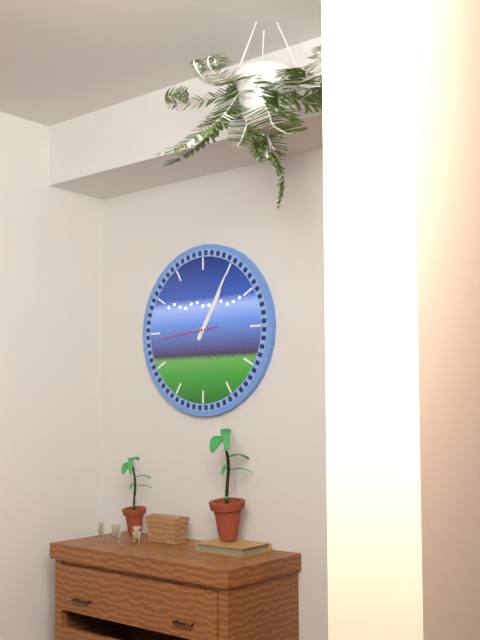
1:05:44
